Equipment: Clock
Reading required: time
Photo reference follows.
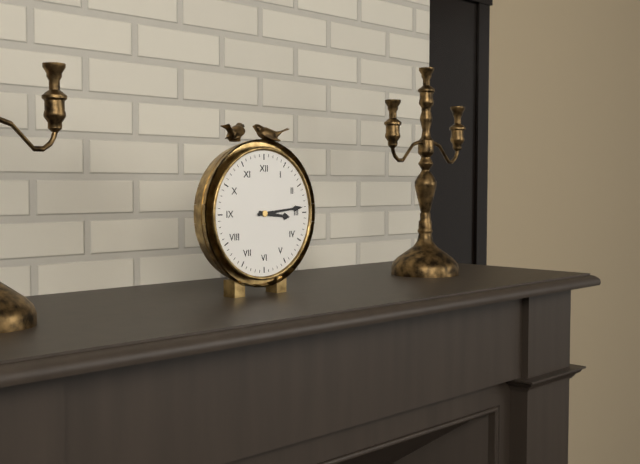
3:14
